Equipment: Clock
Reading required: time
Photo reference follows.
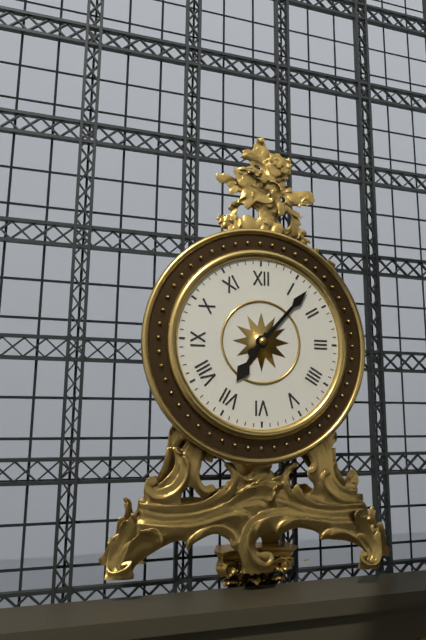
7:07
